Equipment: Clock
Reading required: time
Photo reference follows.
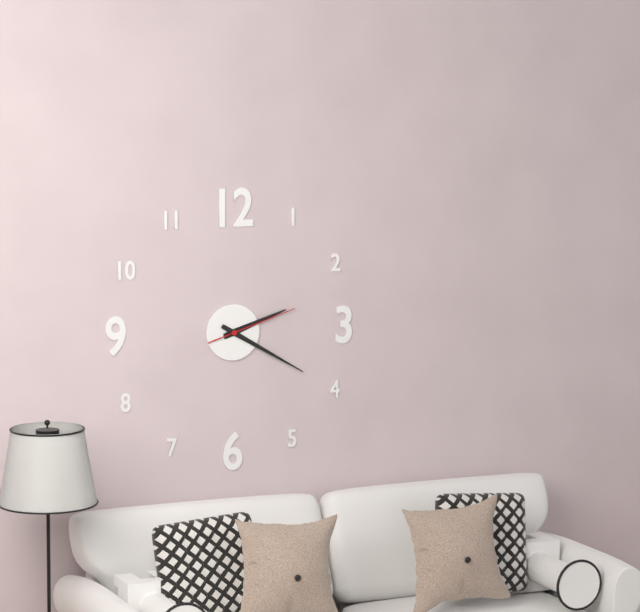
2:20:12
